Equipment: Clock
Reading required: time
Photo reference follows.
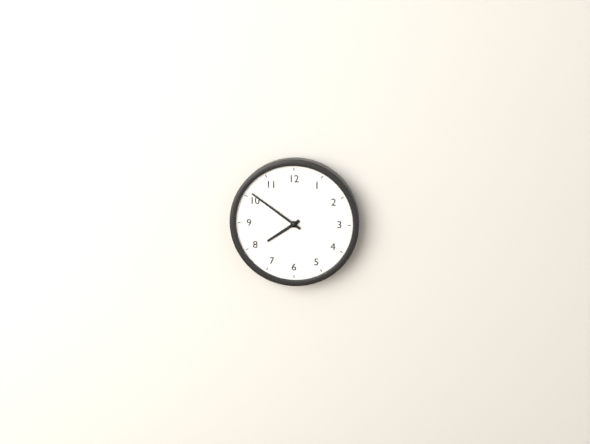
7:51
